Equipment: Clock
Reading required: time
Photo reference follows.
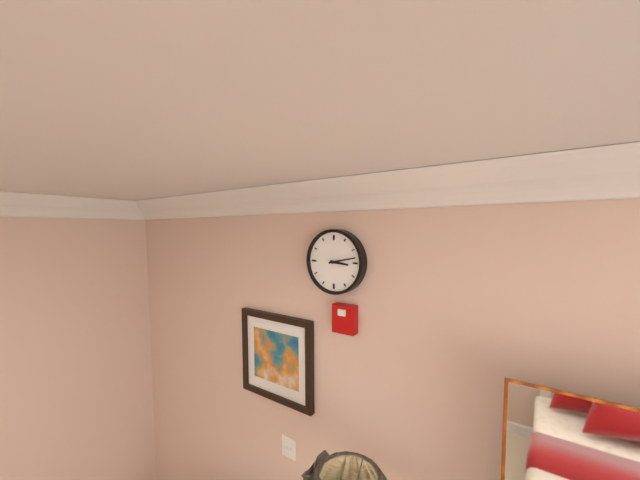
3:13
